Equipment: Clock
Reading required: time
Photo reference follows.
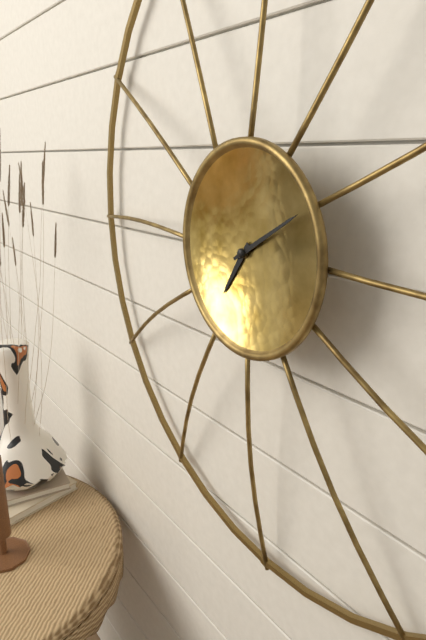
7:10
